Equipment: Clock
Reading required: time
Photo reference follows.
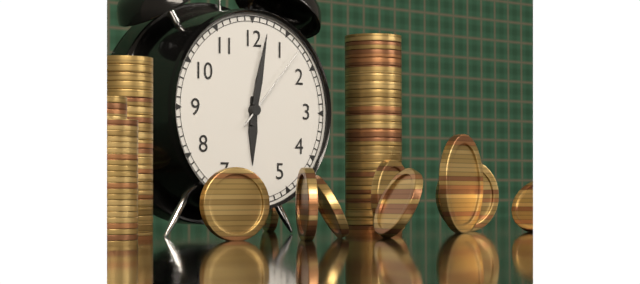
6:02:07
